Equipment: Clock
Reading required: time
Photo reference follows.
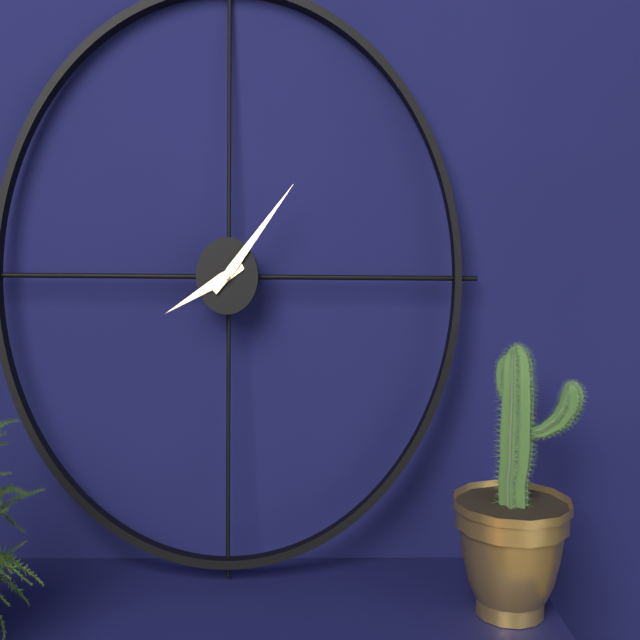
8:07
